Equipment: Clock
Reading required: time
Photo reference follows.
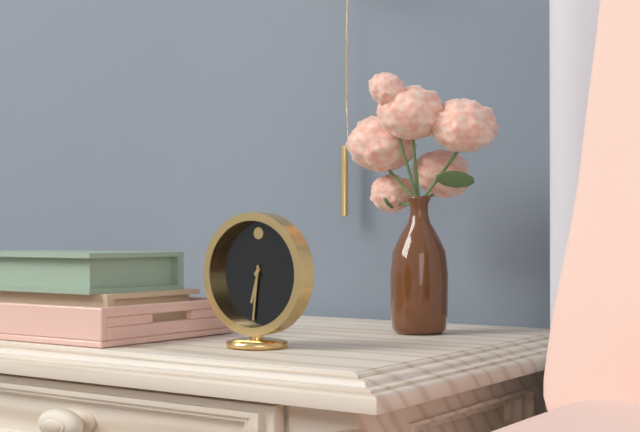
6:31
